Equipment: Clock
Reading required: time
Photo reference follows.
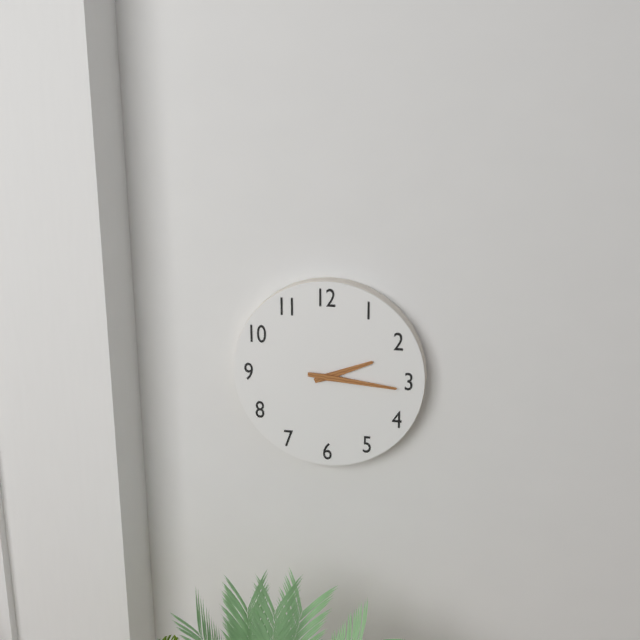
2:16
